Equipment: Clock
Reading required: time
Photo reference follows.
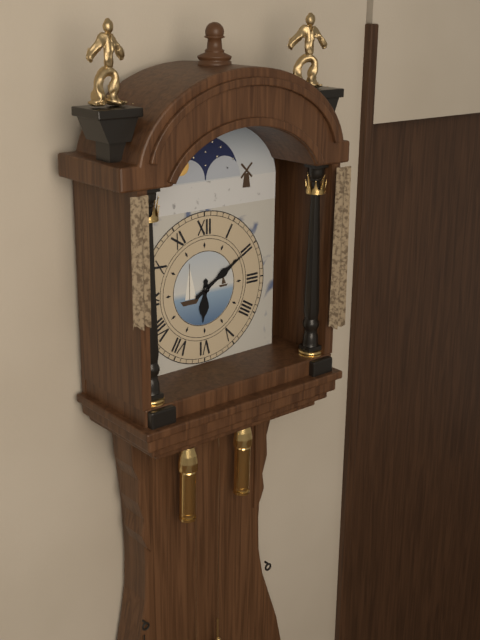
6:10
